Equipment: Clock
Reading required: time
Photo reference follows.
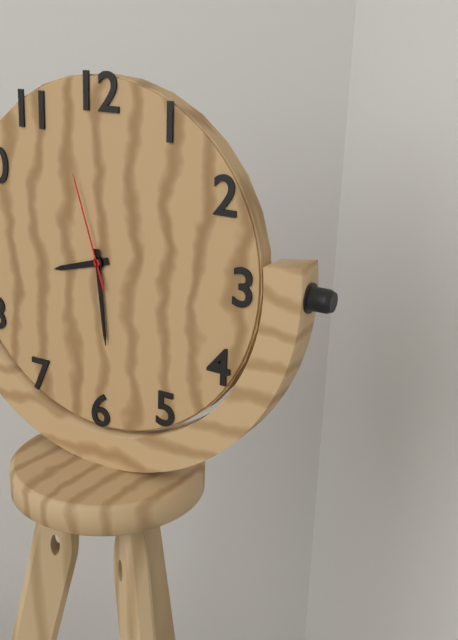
8:29:57
